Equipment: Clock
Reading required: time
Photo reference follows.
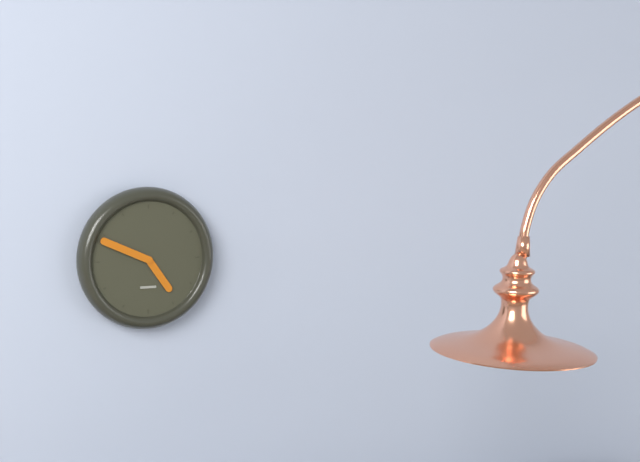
4:49
